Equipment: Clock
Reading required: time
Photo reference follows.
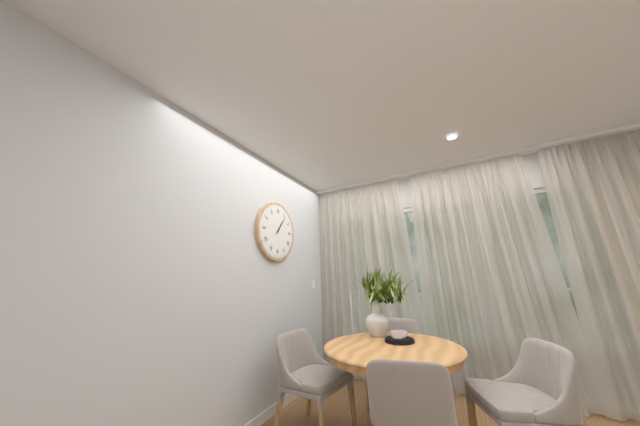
1:06
